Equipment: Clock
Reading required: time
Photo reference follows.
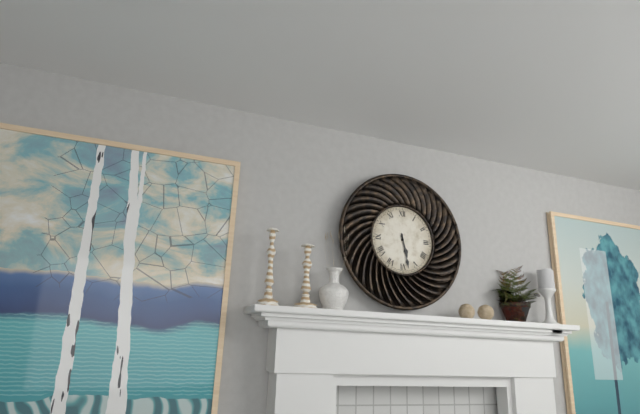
5:28
